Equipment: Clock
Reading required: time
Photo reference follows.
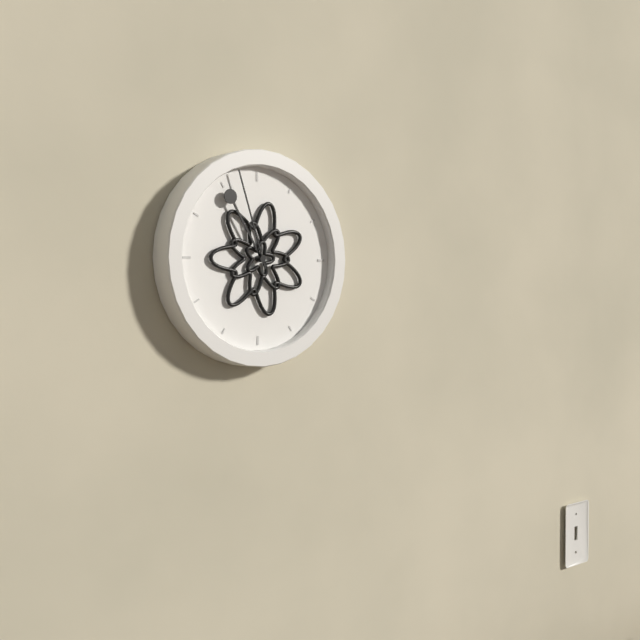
10:57
